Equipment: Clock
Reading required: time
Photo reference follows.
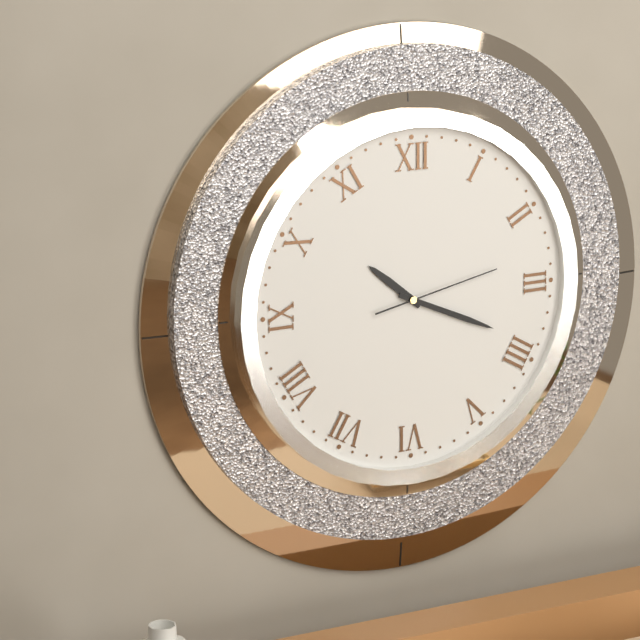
10:19:13
